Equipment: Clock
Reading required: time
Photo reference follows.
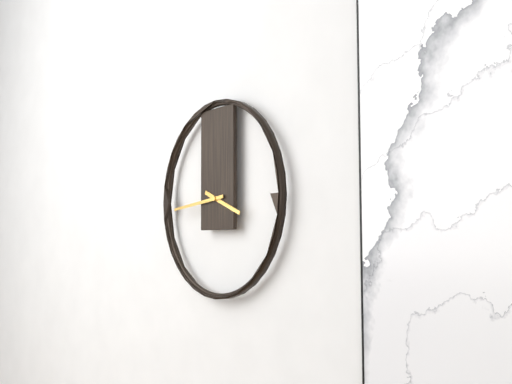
3:44
